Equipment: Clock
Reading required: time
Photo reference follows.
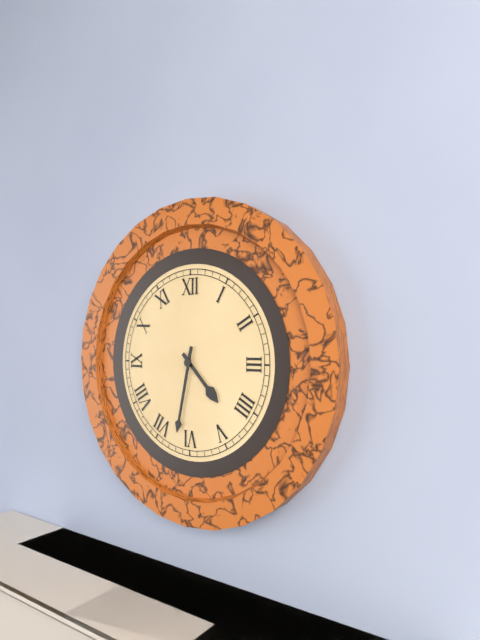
4:32
